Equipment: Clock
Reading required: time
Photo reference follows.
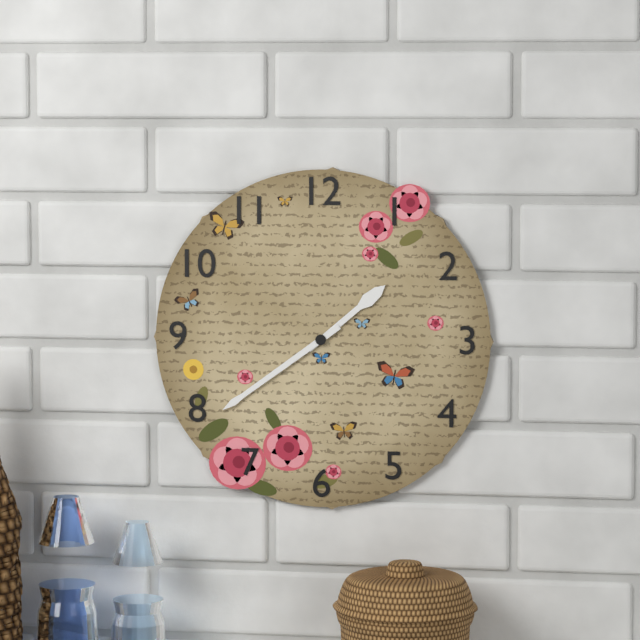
1:39
